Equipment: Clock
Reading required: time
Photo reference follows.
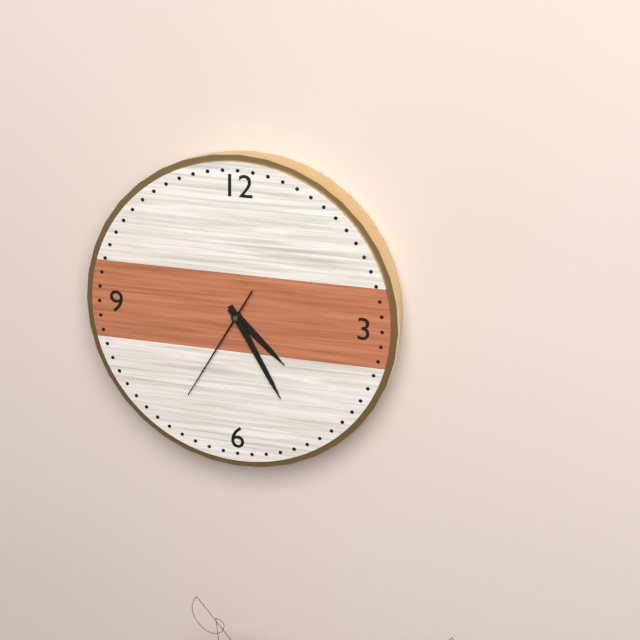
4:25:35
